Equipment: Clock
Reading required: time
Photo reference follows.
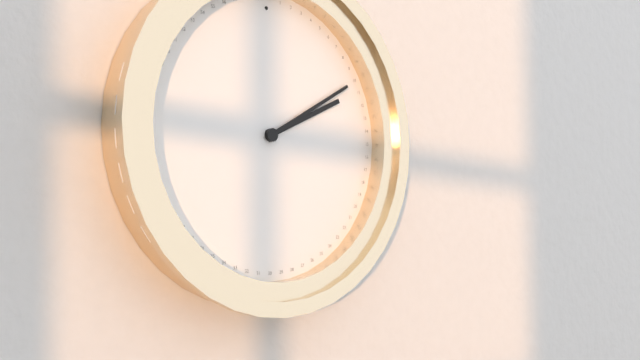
2:10
